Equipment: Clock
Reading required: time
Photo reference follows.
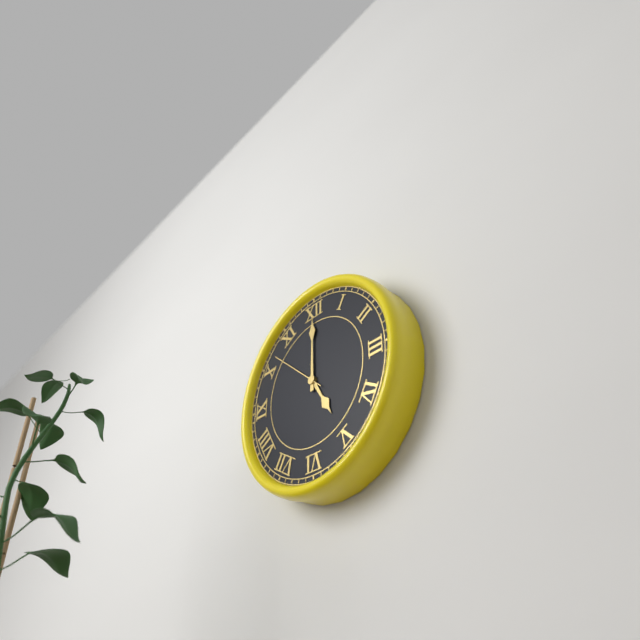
5:00:52
